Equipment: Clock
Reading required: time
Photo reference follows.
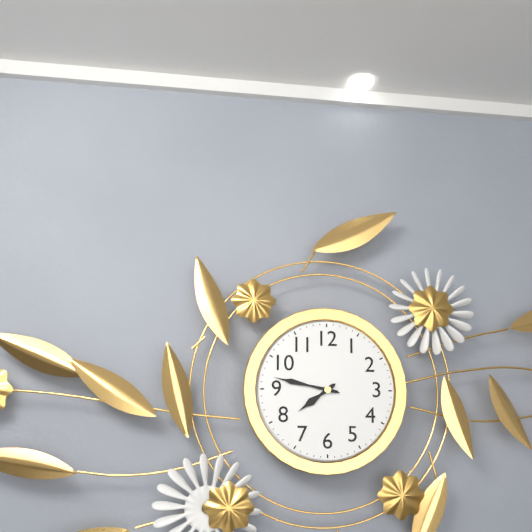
7:47
